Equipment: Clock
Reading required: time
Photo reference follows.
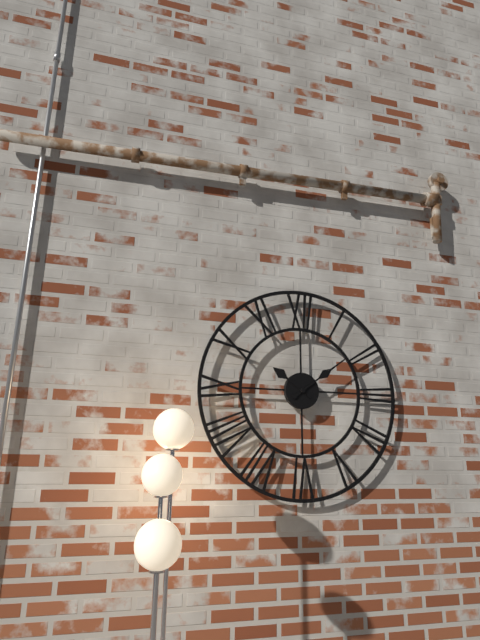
10:09
